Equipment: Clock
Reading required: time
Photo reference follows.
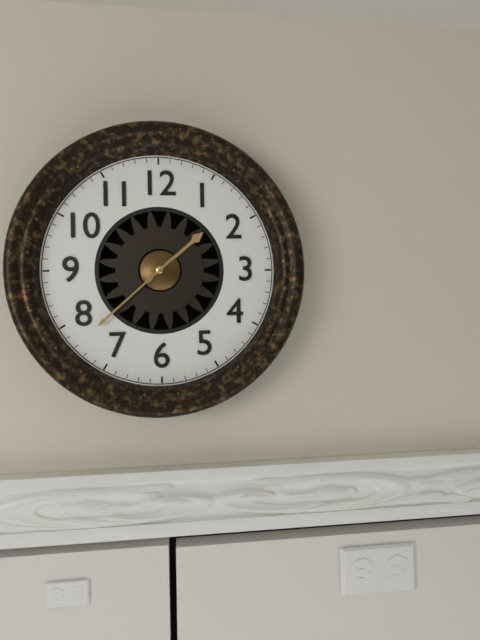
1:38
